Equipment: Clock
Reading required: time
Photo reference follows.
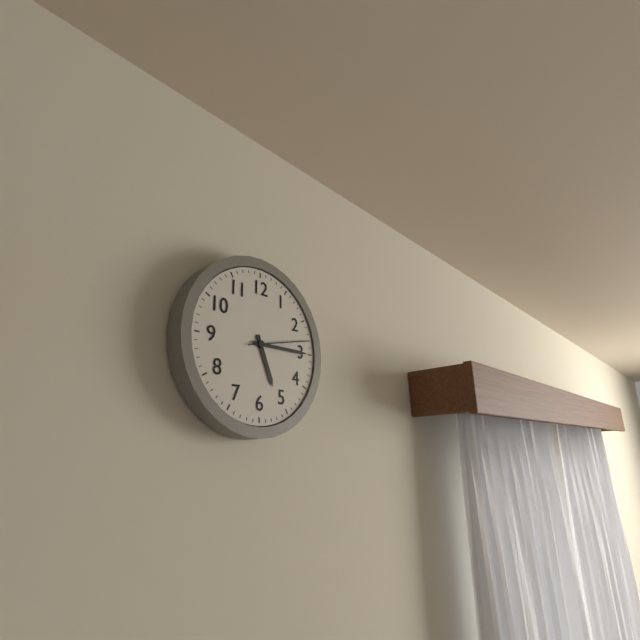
5:15:13
